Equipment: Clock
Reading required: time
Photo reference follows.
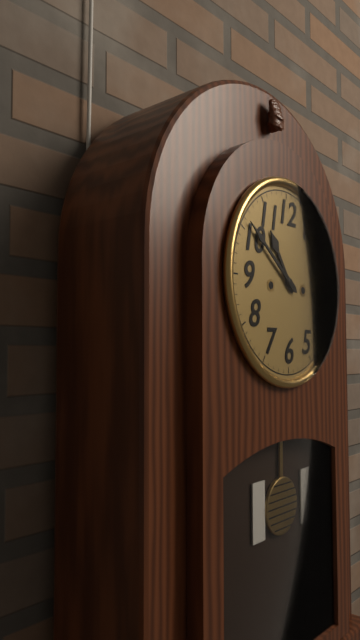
10:51
